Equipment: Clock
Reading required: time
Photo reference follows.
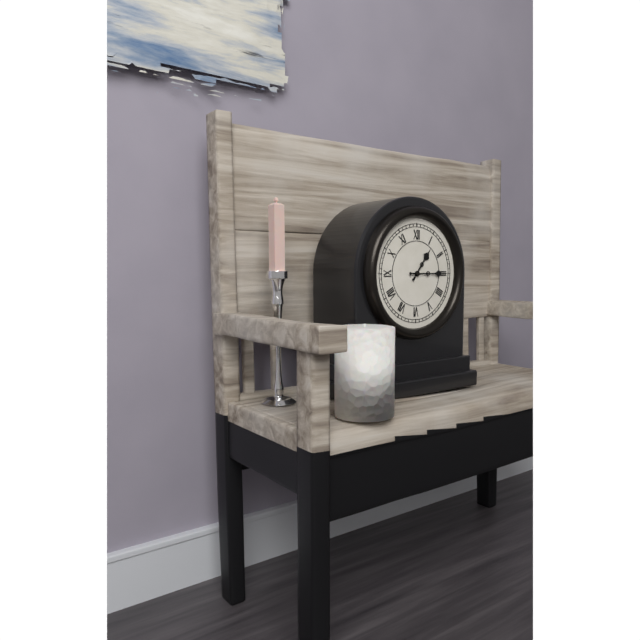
1:15
